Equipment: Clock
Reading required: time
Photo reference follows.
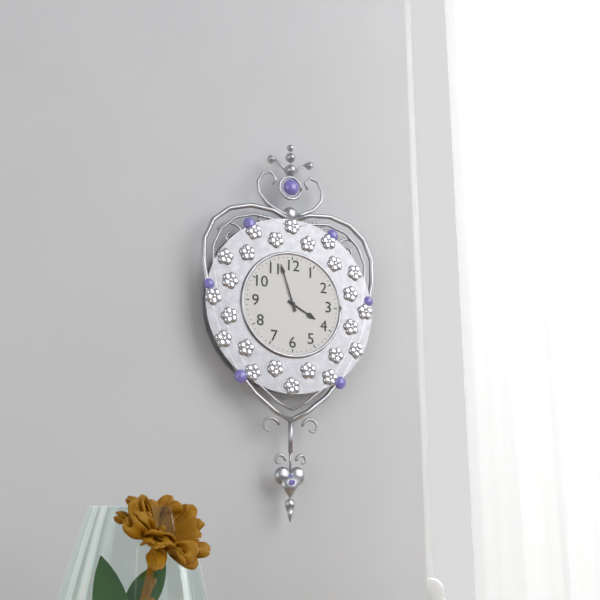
3:57
